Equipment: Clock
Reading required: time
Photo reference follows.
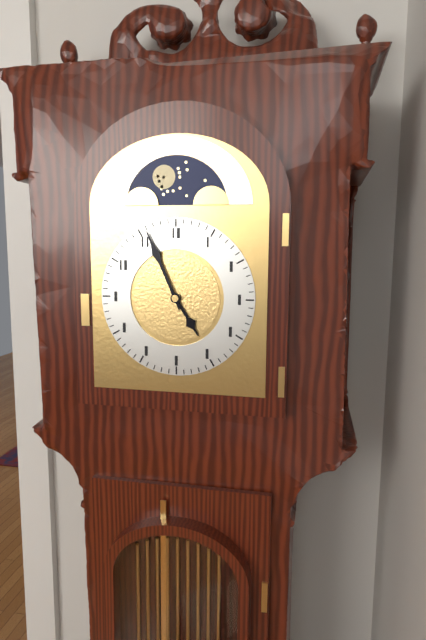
4:56
